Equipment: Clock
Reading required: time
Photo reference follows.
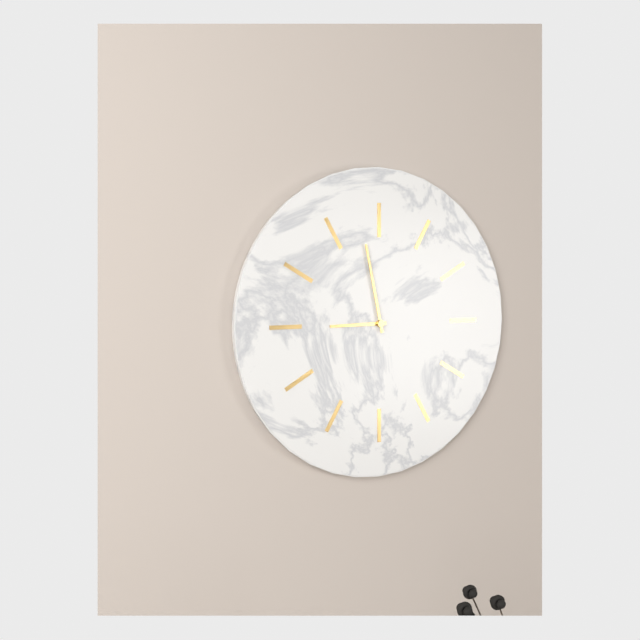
8:58
